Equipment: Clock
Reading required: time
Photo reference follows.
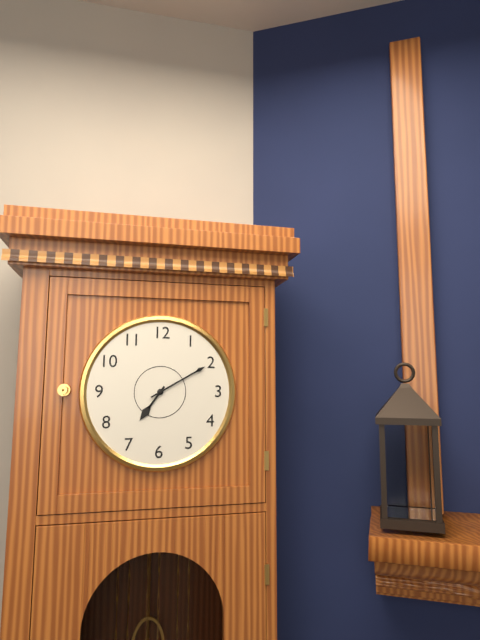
7:10
